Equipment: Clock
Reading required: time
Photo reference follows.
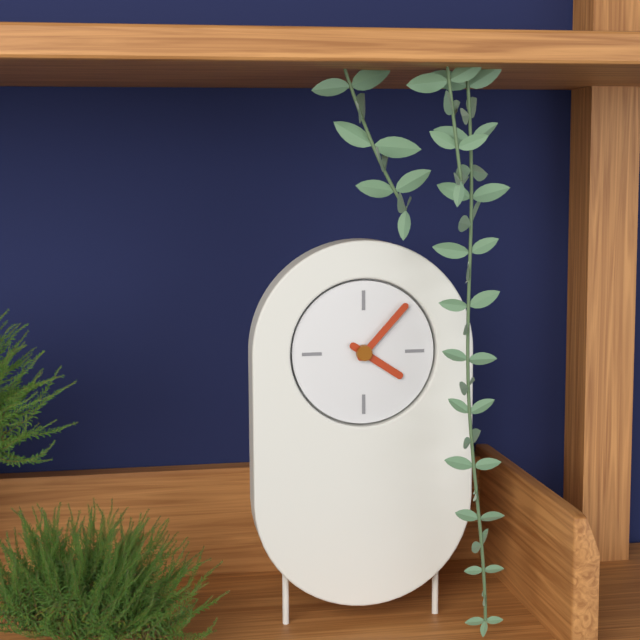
4:07
